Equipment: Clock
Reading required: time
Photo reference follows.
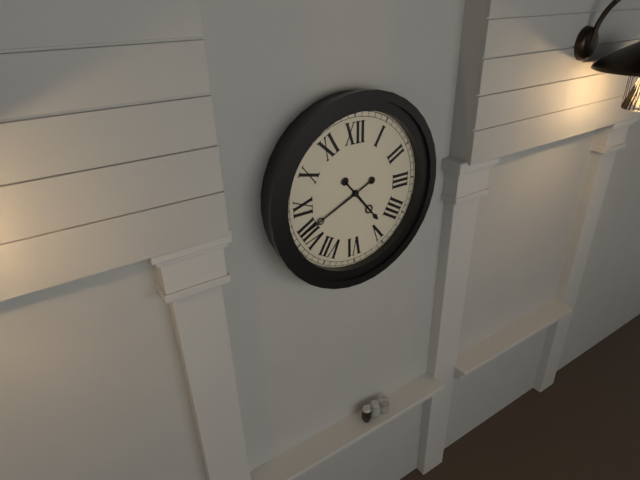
4:41
